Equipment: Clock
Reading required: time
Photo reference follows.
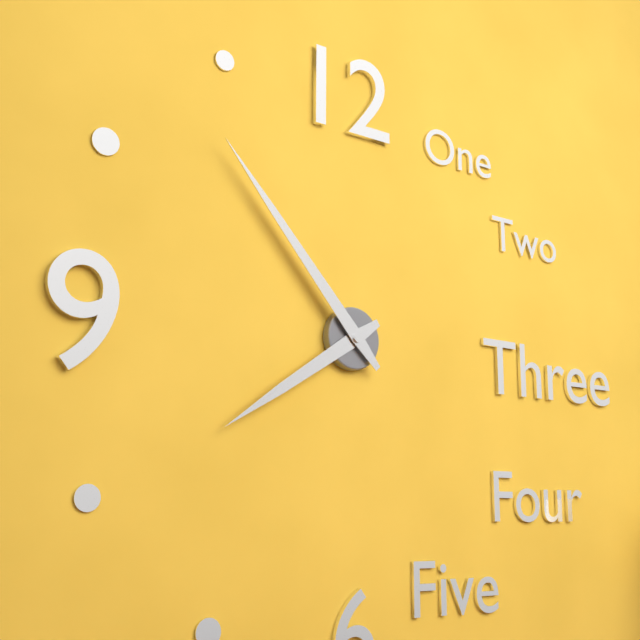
7:53
